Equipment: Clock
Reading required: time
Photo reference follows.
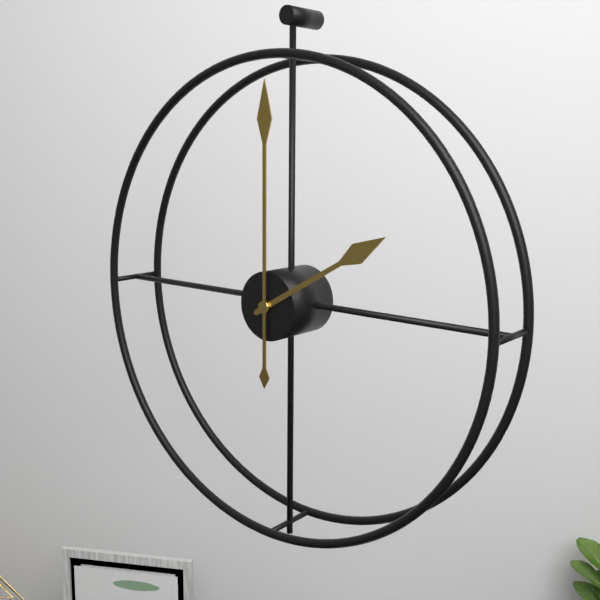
2:00
